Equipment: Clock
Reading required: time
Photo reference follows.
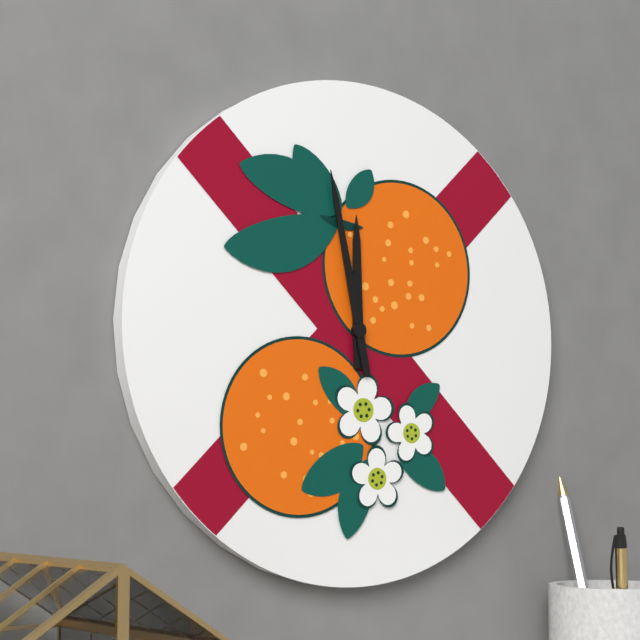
11:58
